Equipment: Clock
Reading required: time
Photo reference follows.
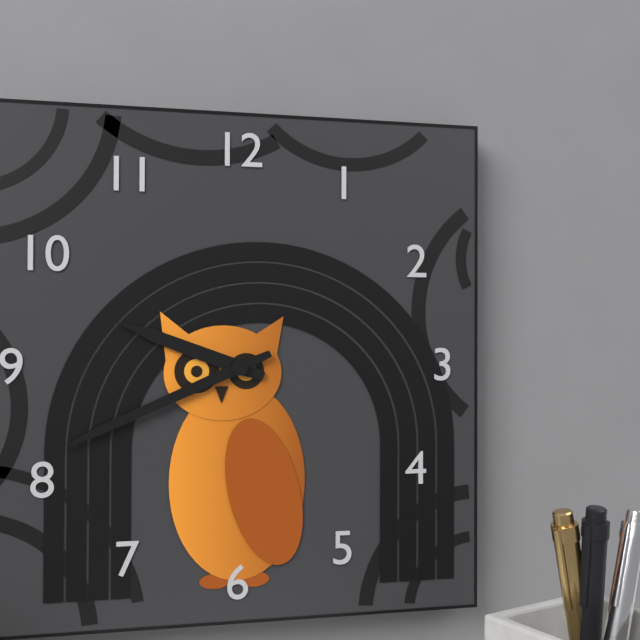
9:41
